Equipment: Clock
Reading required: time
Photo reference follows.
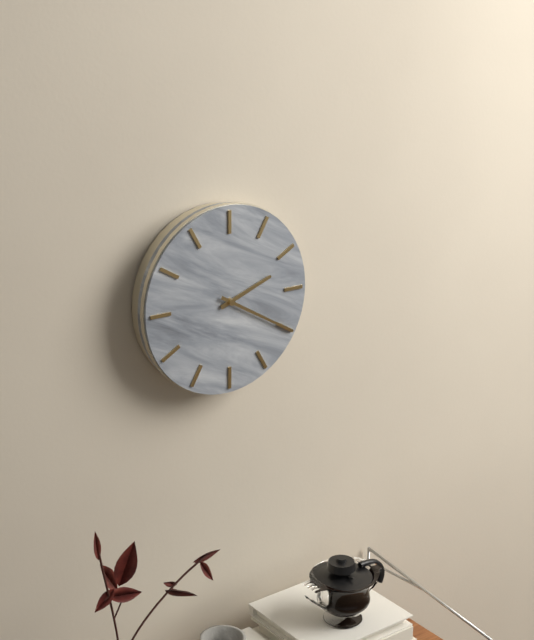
2:20
